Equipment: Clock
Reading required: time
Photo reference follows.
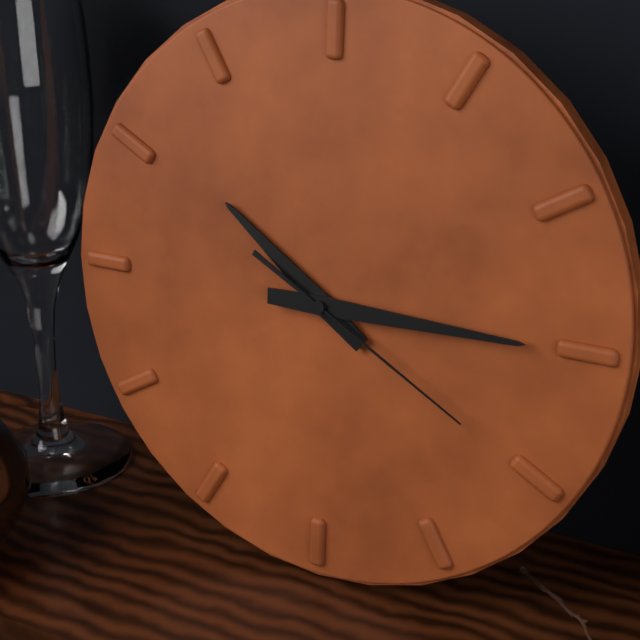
10:15:20
